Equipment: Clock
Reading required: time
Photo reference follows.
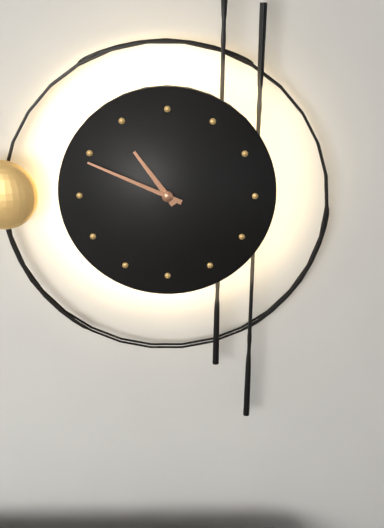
10:49
